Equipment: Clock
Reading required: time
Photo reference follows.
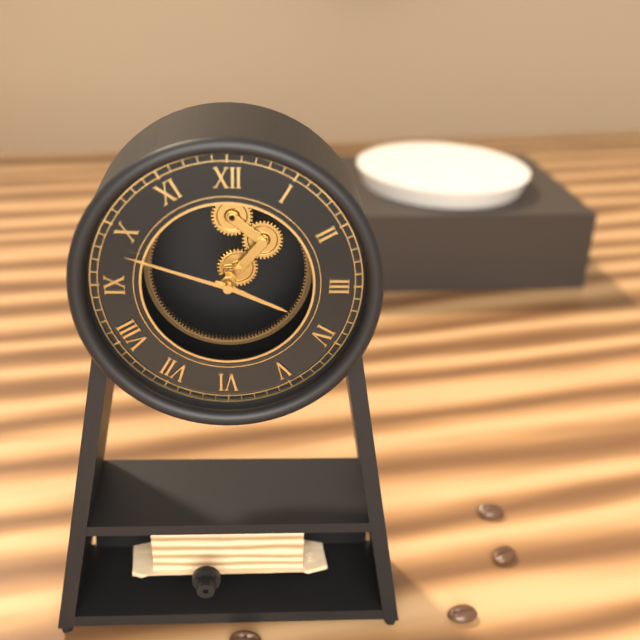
3:48
